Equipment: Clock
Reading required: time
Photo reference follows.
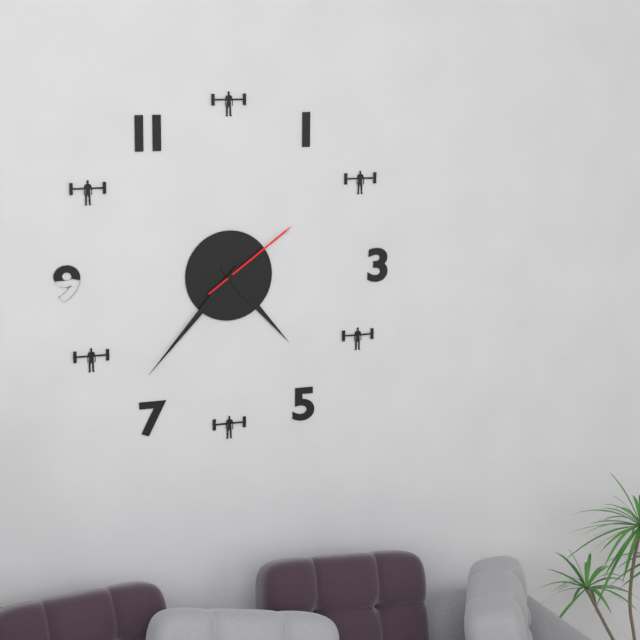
4:37:09
